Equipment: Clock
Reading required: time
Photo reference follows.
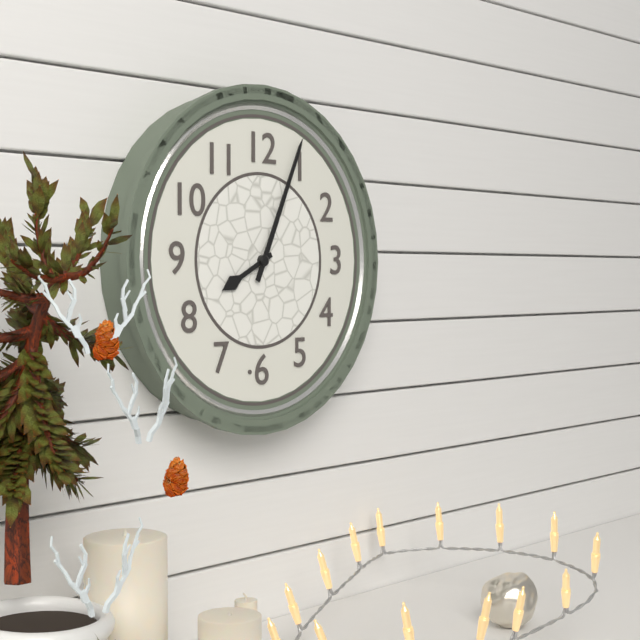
8:04
